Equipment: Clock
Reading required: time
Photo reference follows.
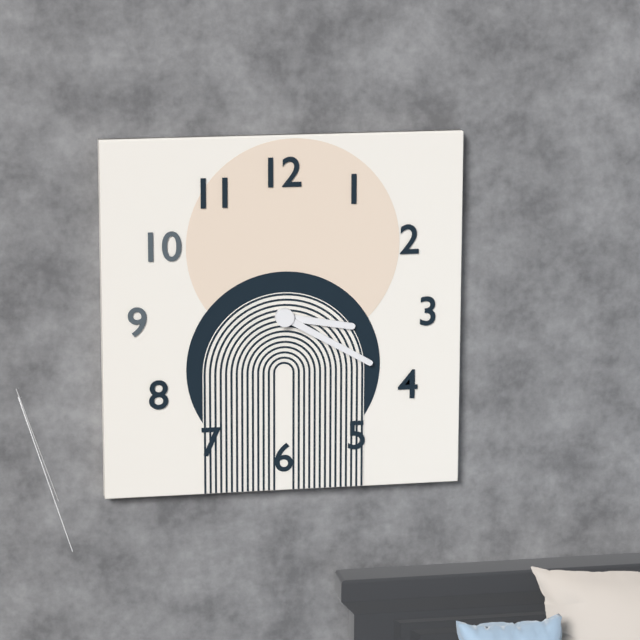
3:20
